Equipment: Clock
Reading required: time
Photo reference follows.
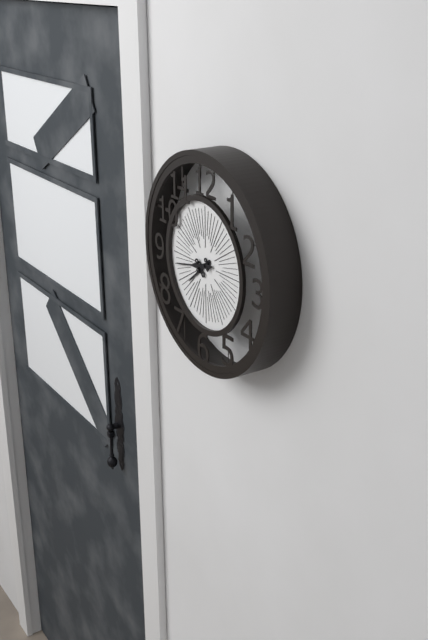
7:43
